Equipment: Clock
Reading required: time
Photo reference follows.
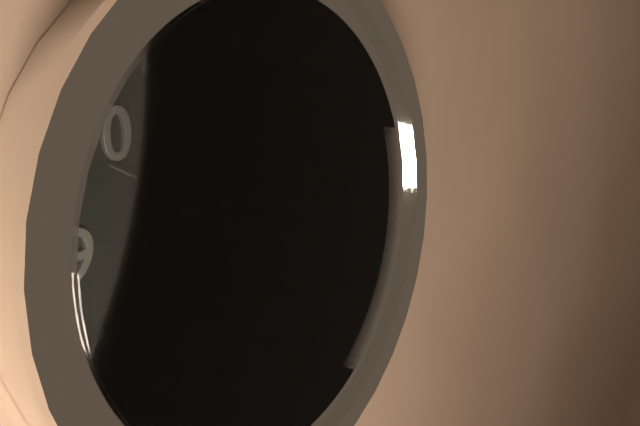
1:26:49
